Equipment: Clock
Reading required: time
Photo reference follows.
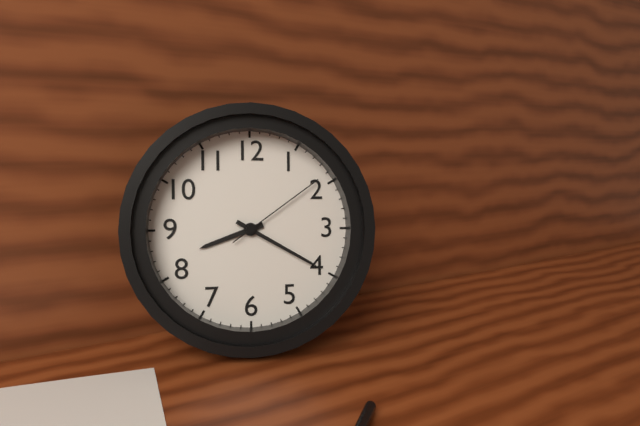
8:20:09
